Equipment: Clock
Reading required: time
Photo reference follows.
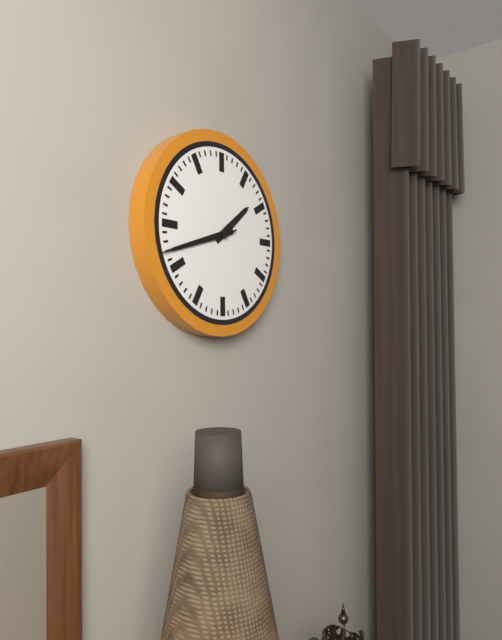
1:42:42
